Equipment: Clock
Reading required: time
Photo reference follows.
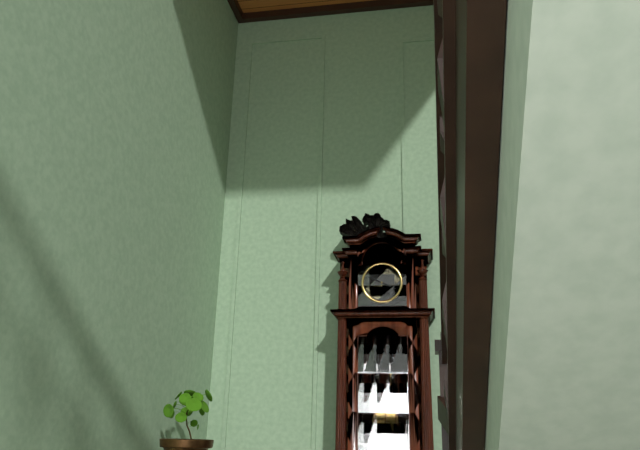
3:49
